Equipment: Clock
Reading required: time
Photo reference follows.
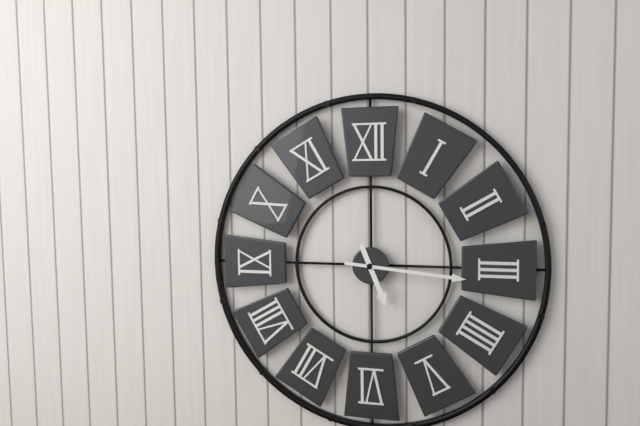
5:16
